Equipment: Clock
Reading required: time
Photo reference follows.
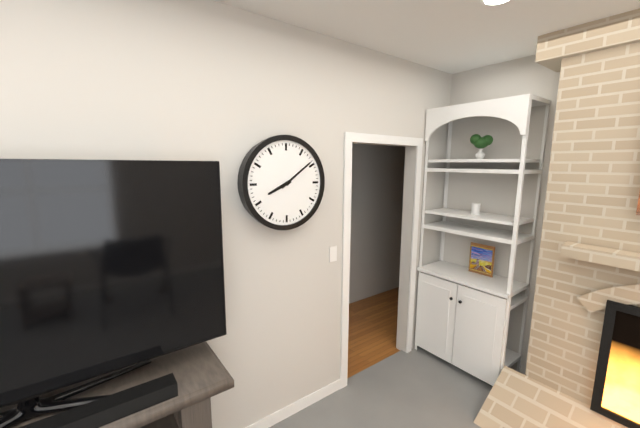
8:09
